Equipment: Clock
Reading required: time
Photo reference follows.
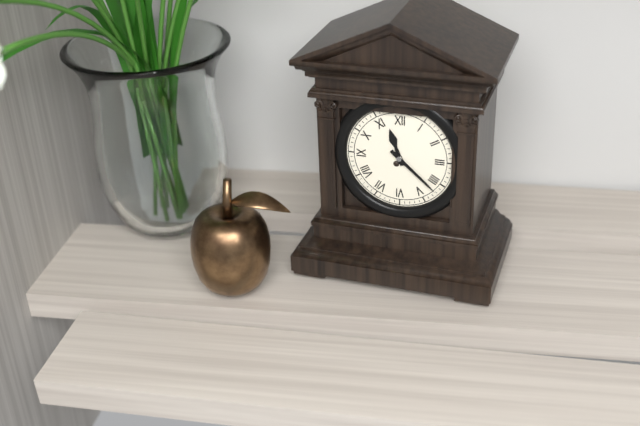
11:22
